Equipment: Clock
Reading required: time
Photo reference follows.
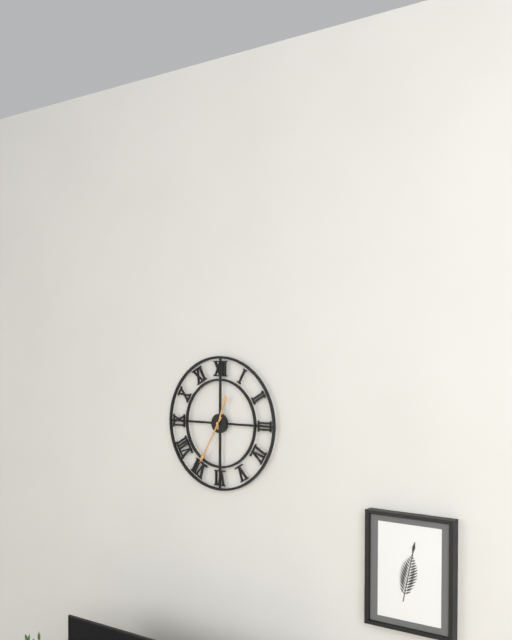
12:35
